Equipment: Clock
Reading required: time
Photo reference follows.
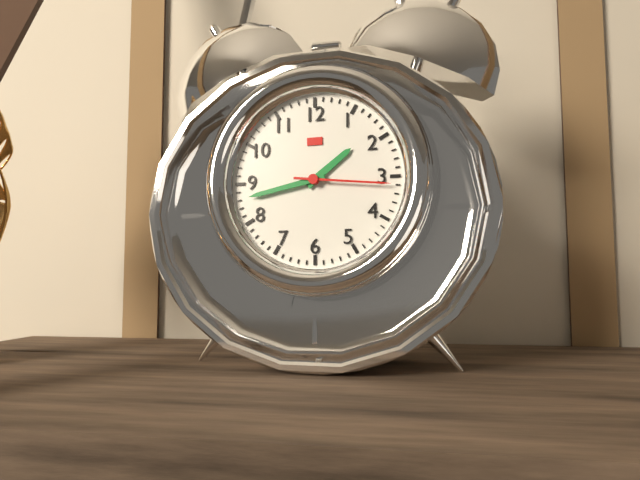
1:43:16
